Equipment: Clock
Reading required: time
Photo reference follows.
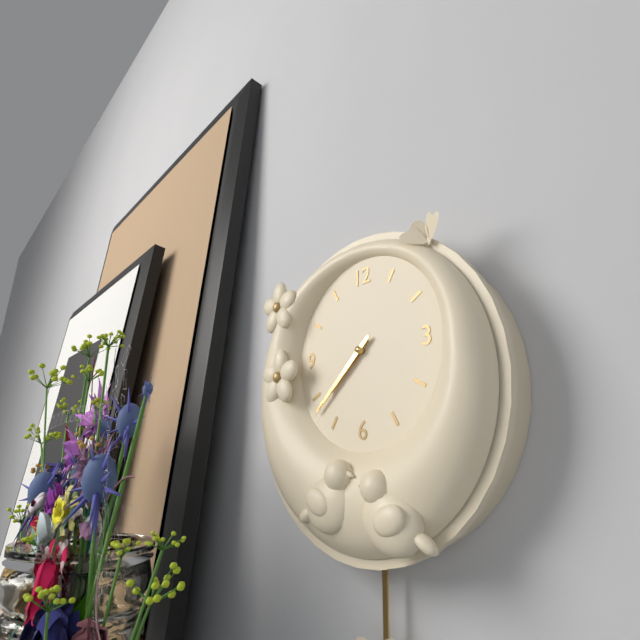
7:38
